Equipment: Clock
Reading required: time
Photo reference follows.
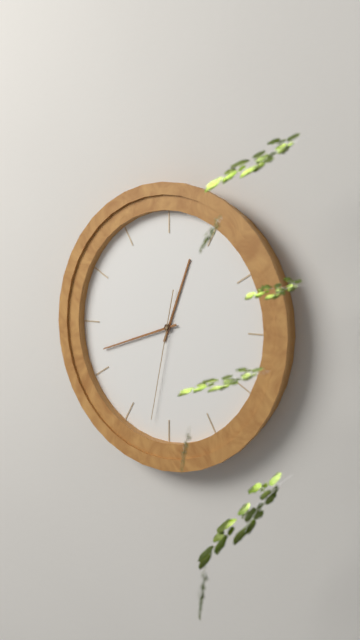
12:42:32
